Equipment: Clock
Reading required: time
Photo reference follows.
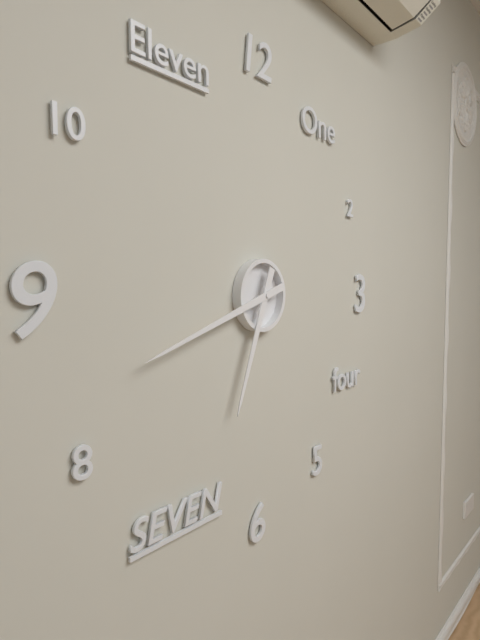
6:42
